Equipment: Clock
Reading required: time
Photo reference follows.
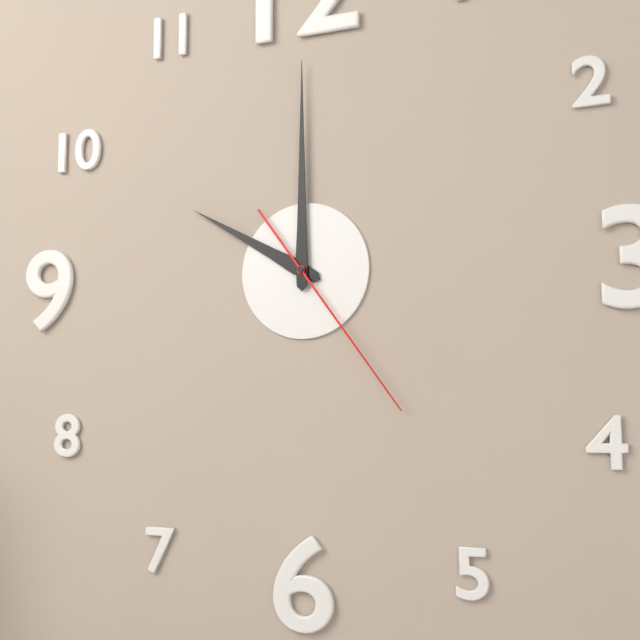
10:00:24
